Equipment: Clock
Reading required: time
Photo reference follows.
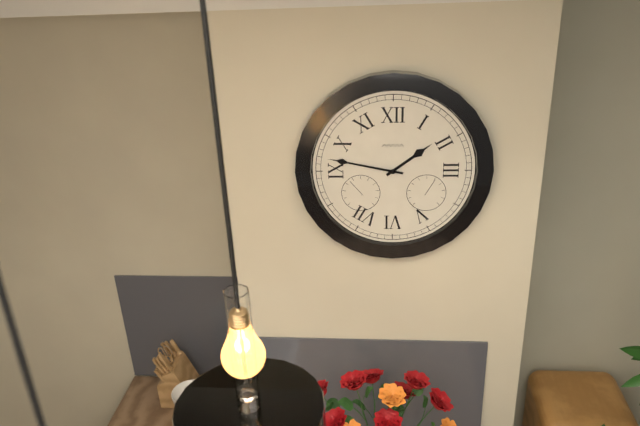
1:47
